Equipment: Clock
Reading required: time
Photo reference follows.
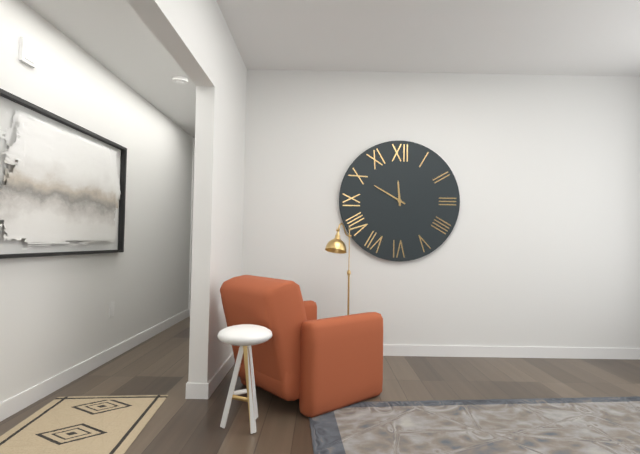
11:50
